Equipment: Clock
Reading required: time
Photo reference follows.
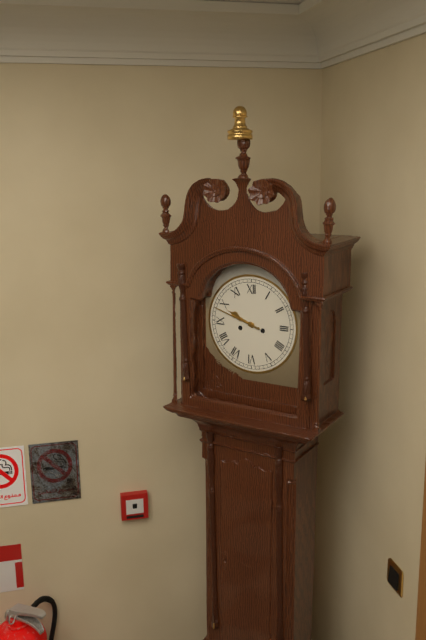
9:48
